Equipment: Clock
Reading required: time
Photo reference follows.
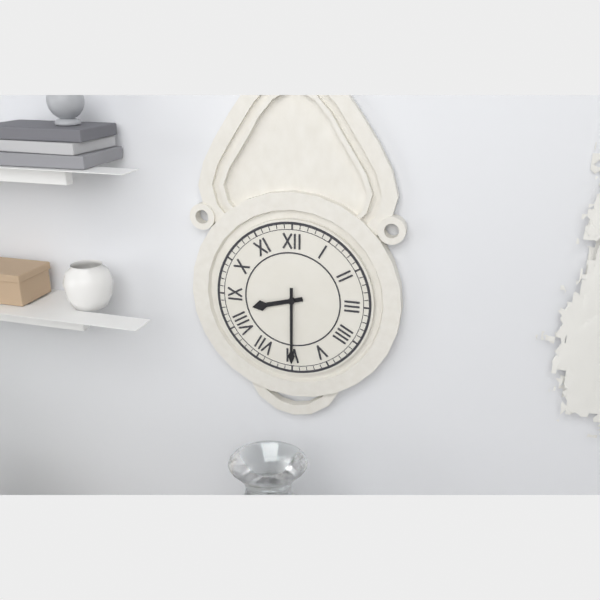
8:30
